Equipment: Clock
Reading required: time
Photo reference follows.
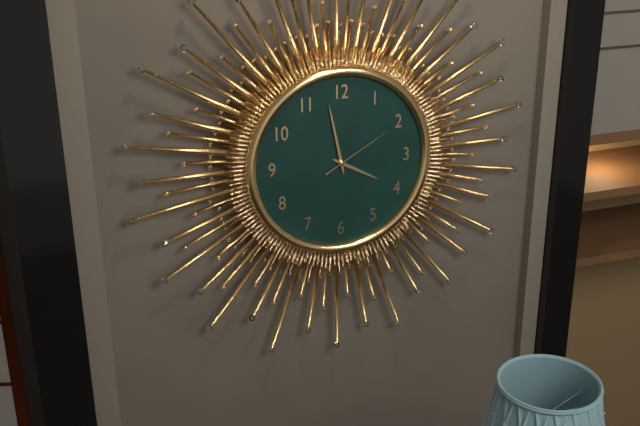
3:58:10
